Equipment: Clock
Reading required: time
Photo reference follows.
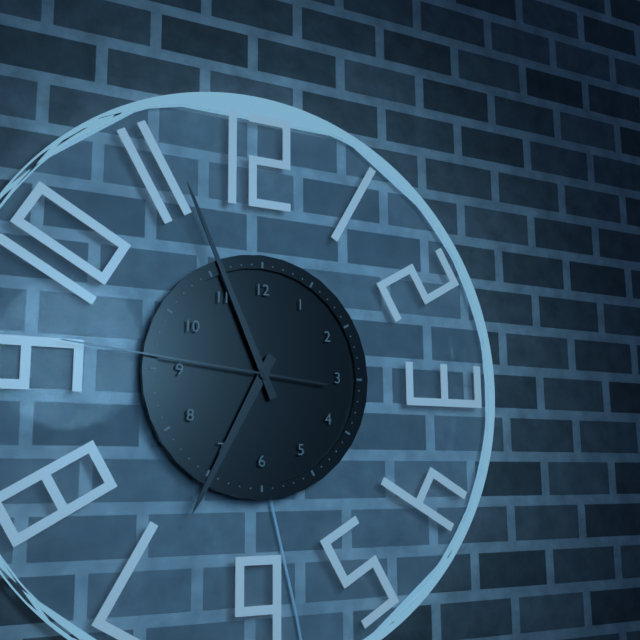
6:56:46
